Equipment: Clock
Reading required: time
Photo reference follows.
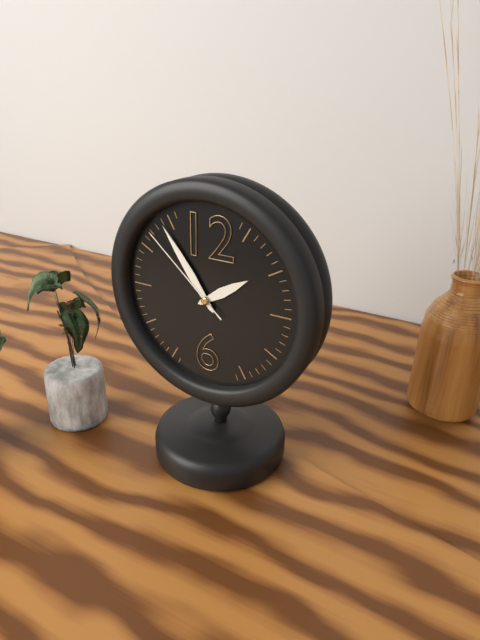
1:54:52
